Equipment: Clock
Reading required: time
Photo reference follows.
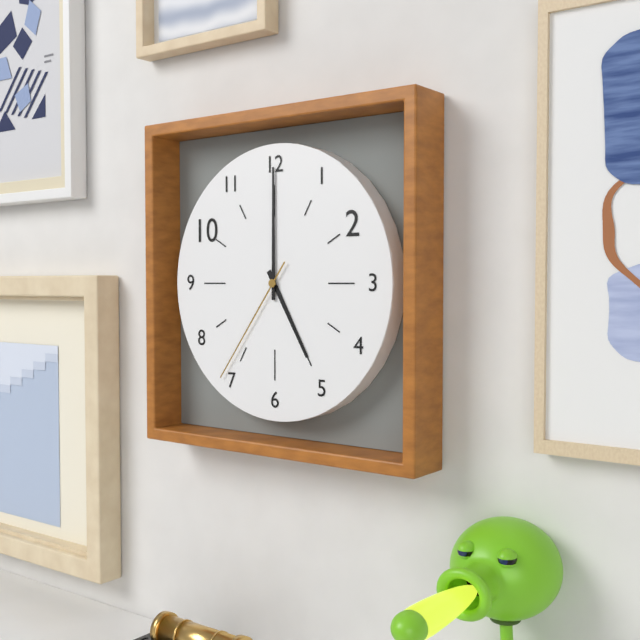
5:00:36
